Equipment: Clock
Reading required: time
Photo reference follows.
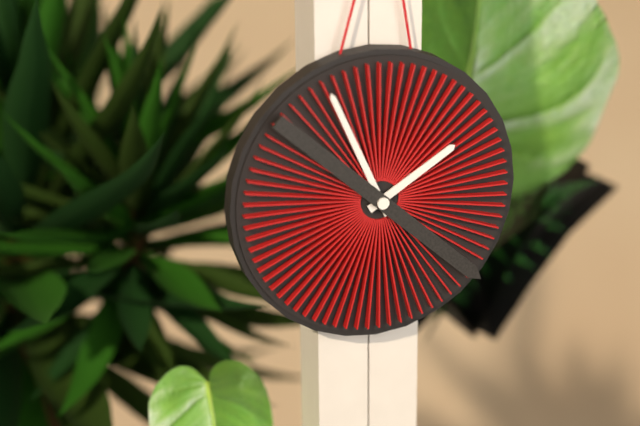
1:56:22
